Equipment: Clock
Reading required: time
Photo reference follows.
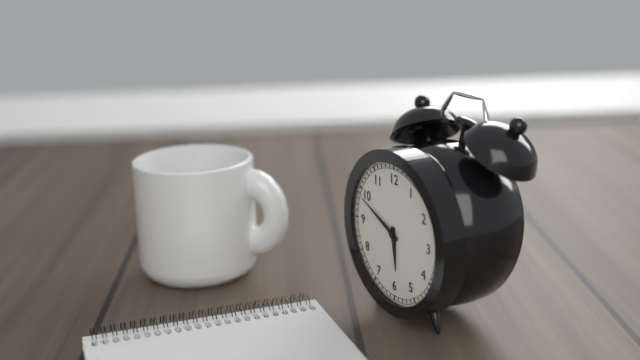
5:49
